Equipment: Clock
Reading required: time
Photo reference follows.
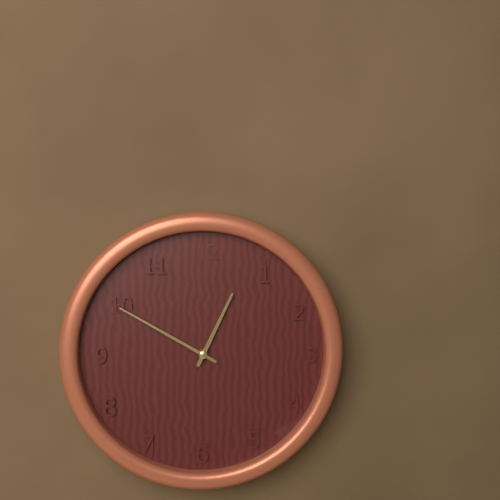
12:50
